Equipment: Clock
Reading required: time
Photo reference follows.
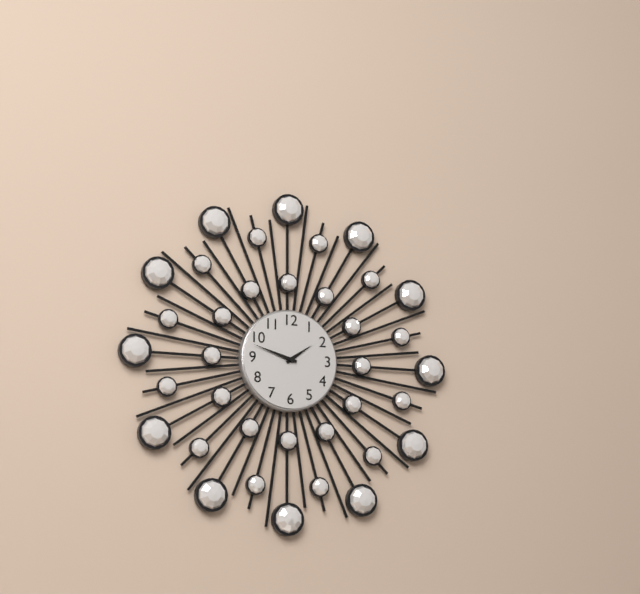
1:48
